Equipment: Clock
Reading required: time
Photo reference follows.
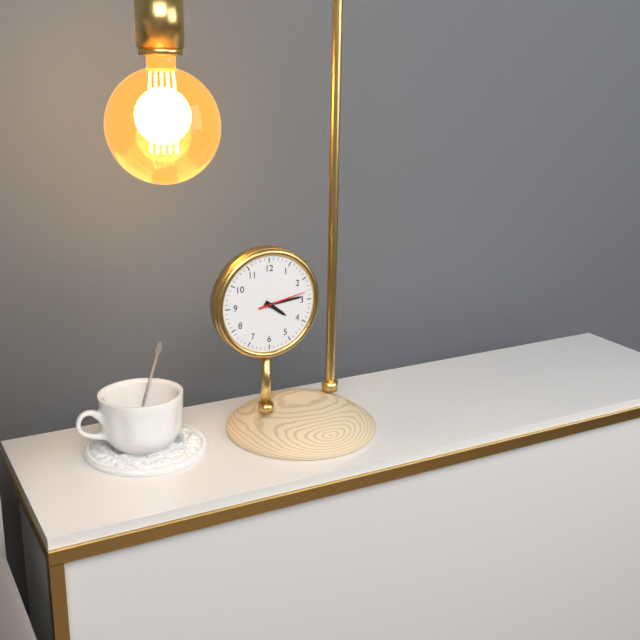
4:14
